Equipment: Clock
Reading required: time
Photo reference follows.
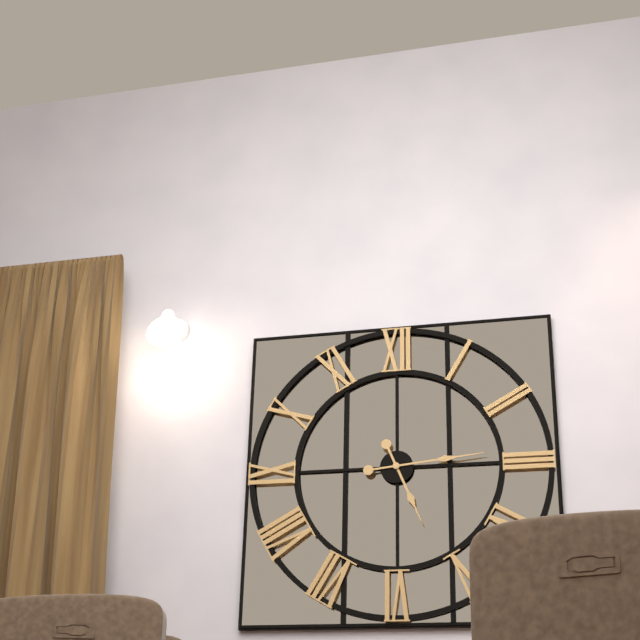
5:14
